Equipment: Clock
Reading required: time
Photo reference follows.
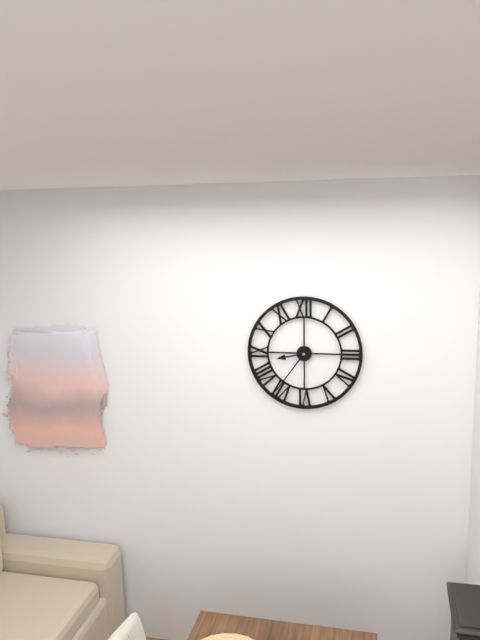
8:36
